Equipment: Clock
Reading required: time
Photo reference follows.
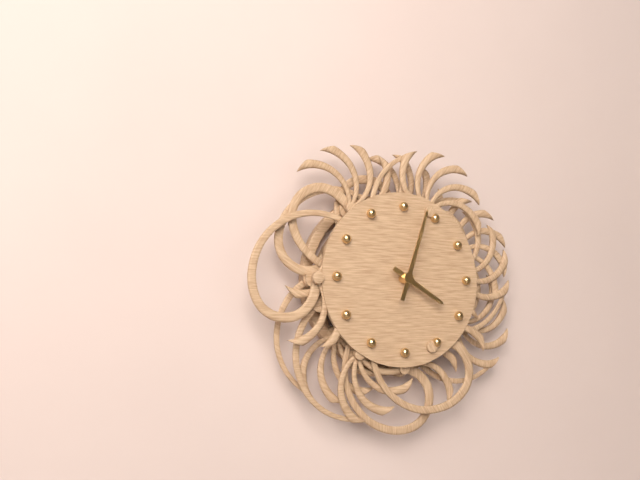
4:03
